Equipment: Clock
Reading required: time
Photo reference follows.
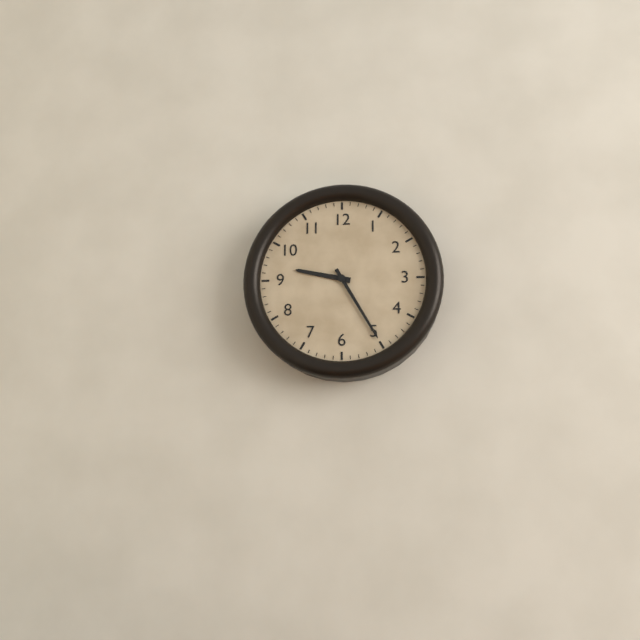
9:25
